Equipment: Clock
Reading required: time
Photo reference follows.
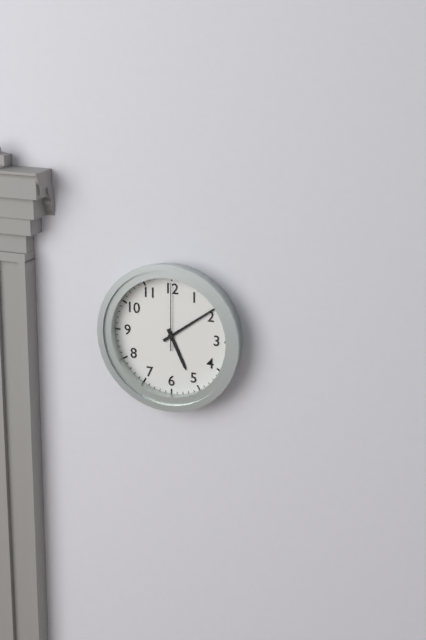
5:09:00
